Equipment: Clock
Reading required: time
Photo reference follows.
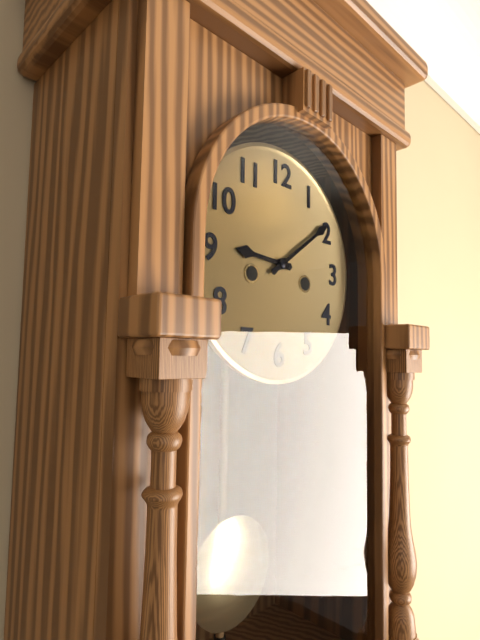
9:09
